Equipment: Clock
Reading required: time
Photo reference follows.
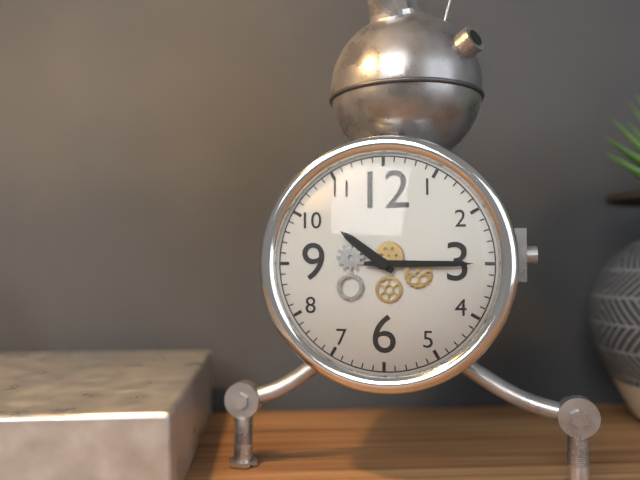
10:15
